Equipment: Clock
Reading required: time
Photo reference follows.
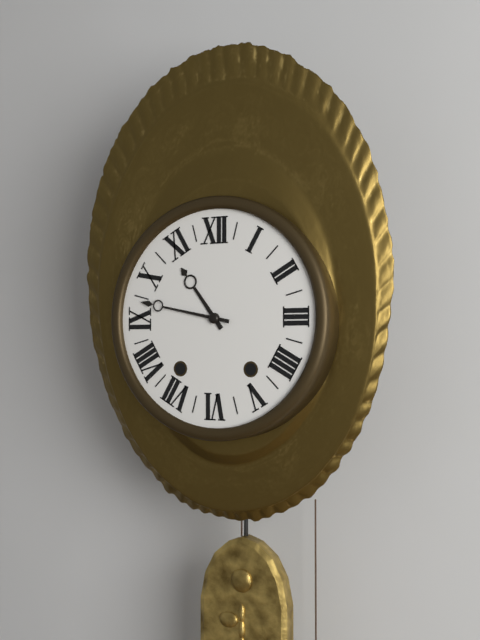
10:47
